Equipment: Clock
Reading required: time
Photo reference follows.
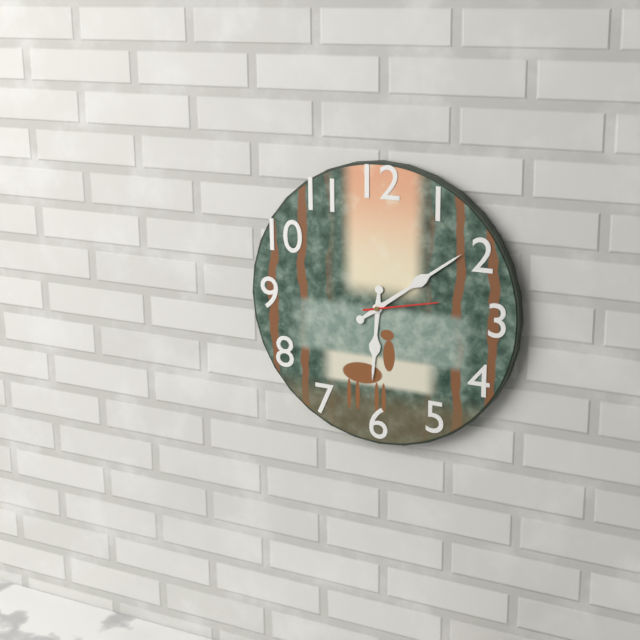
6:09:13
